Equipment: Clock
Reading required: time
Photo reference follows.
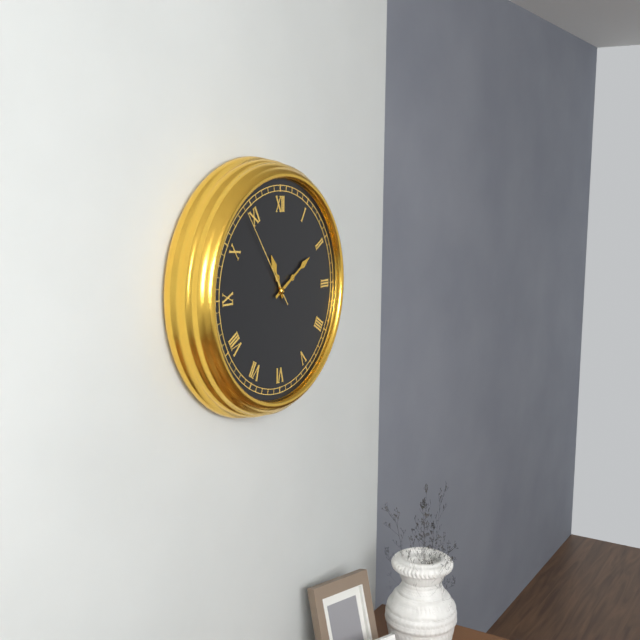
11:10:54
